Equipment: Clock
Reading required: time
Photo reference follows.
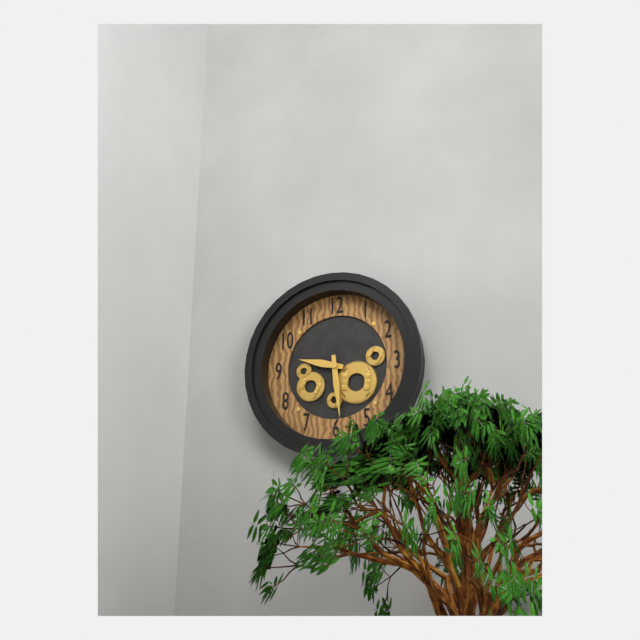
9:29
